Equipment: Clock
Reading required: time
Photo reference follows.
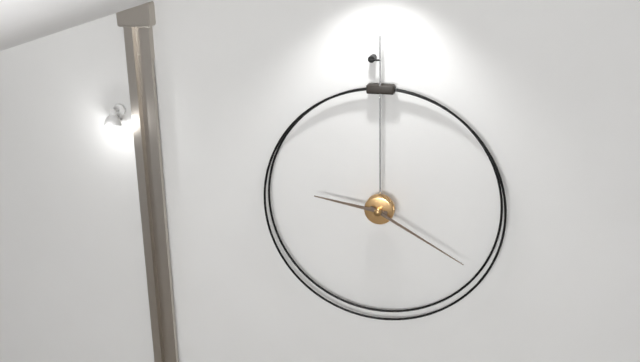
9:20
